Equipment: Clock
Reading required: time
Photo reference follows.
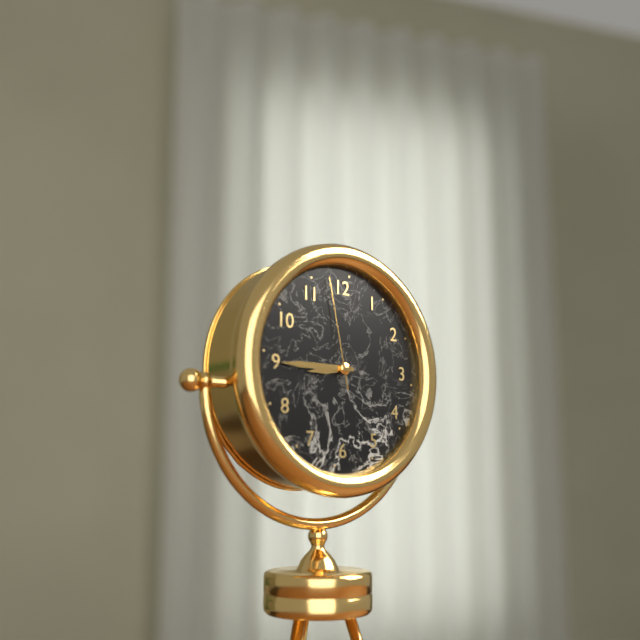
8:45:58
